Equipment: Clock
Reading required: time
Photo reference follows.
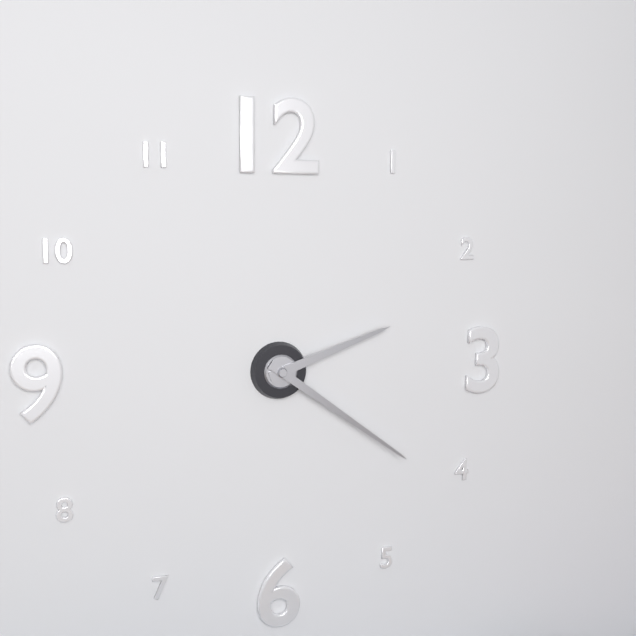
2:21
